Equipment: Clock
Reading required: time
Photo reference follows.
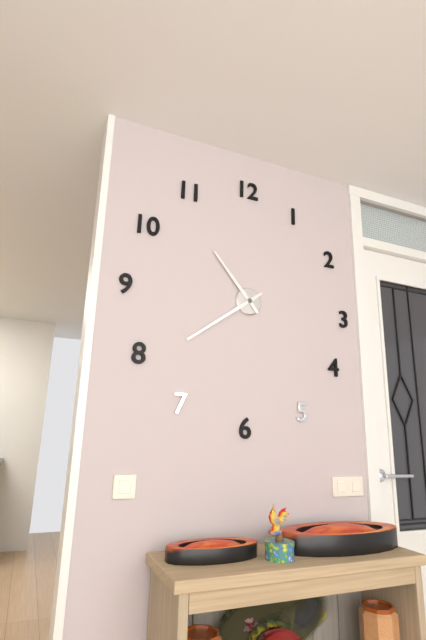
10:39
